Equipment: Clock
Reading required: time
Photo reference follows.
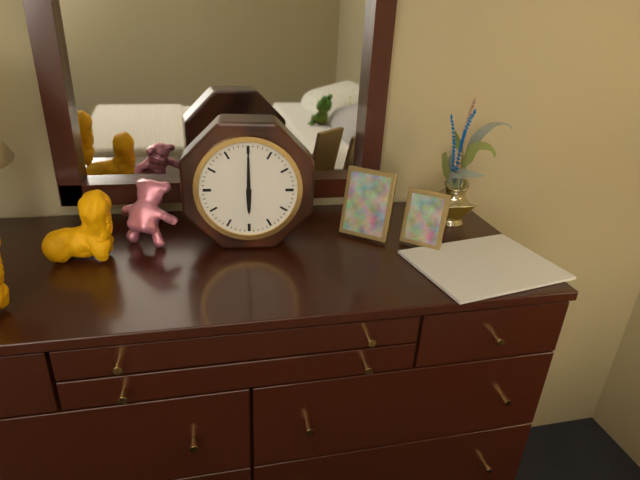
6:00
